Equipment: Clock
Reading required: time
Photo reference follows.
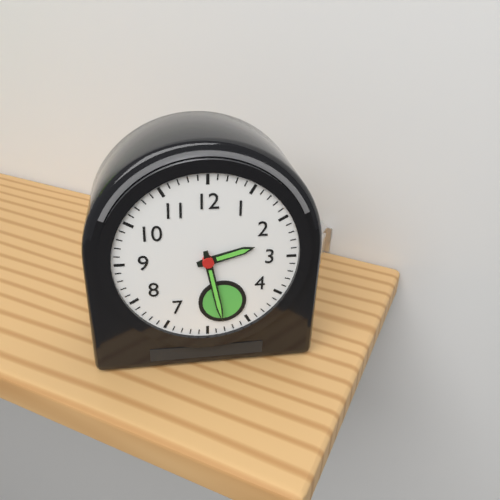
2:28
